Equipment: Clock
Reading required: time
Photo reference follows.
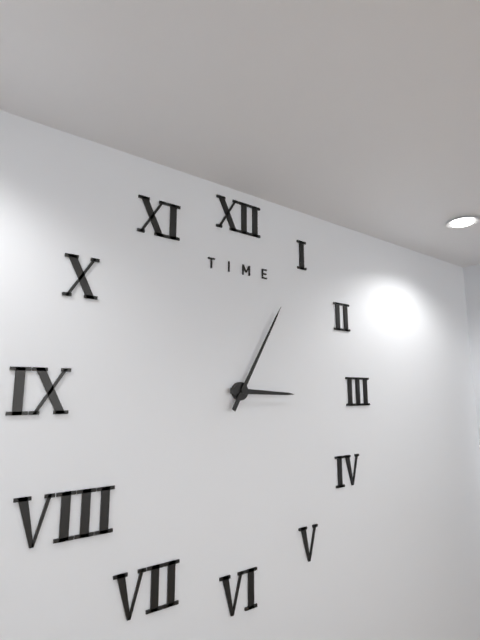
3:05
